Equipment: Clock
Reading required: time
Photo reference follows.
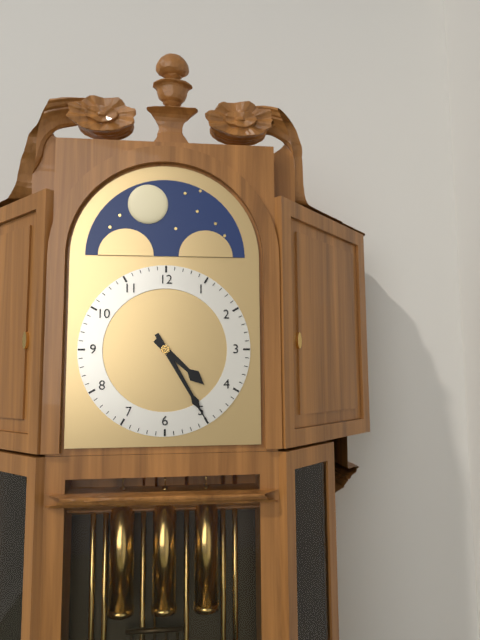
4:25
